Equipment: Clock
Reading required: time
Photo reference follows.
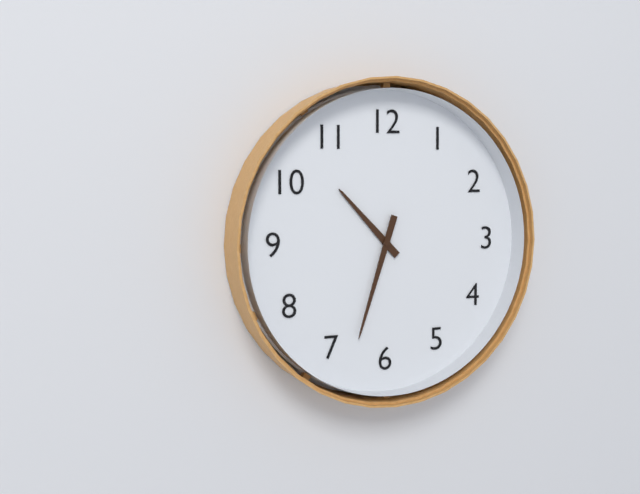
10:33
